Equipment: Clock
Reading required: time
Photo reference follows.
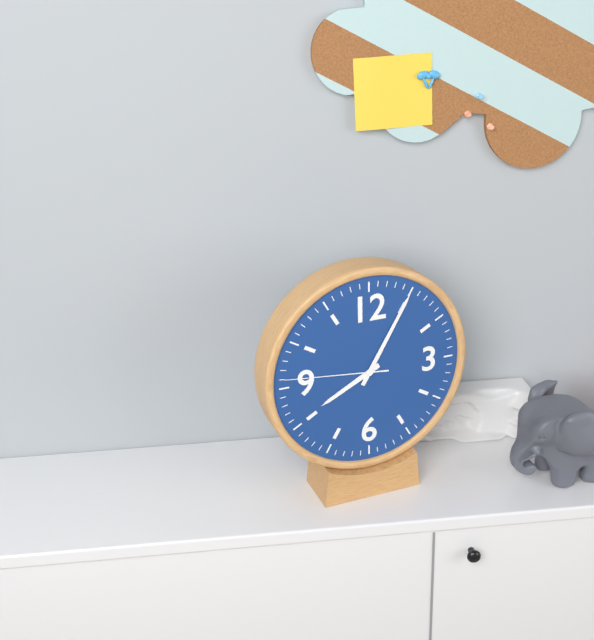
8:05:46
